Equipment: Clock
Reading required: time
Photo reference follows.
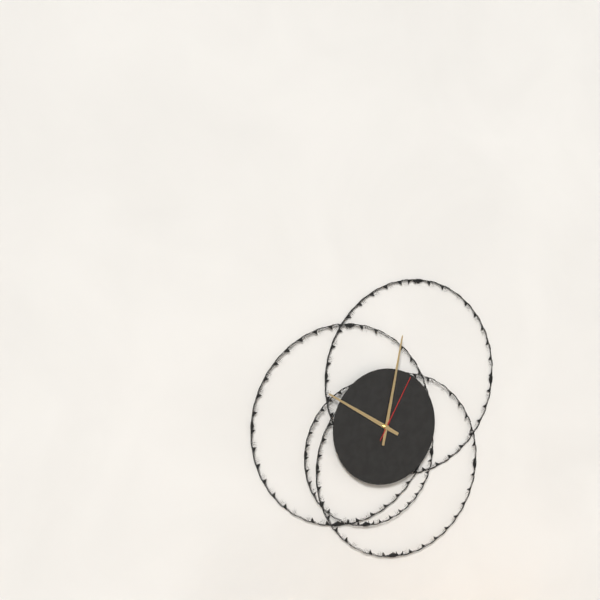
10:02:05
